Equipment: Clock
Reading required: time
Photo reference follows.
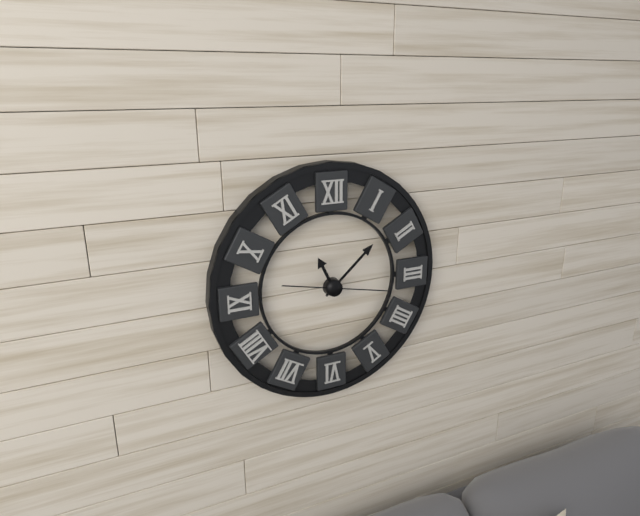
11:08:17
